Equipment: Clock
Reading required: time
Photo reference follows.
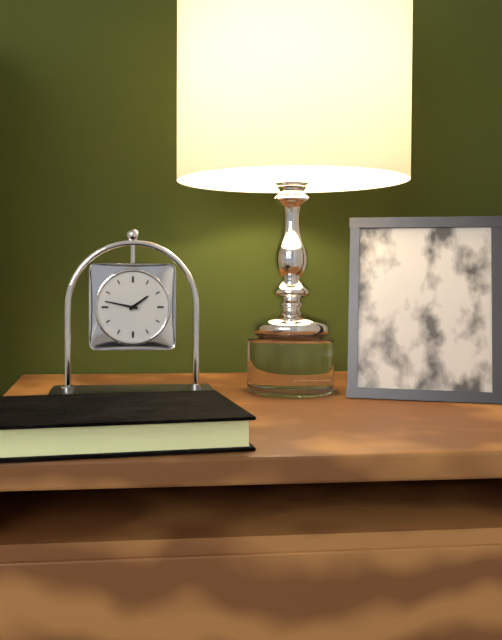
1:47
